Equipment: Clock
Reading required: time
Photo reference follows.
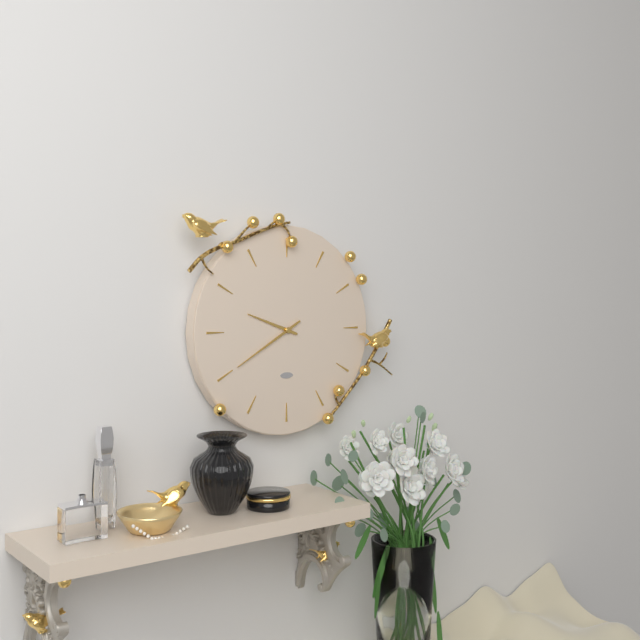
9:40
